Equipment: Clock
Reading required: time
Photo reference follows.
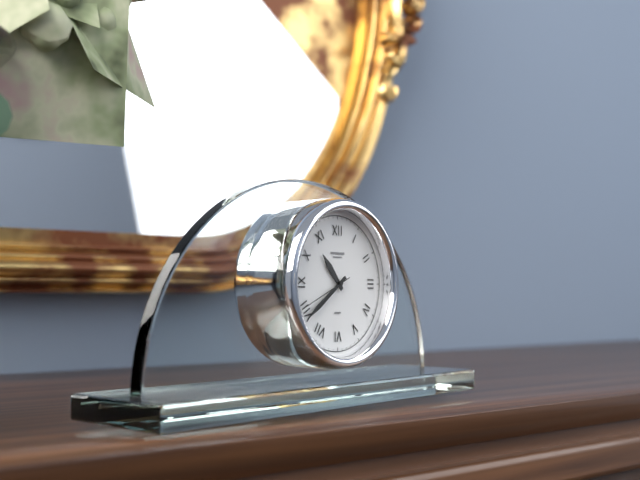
10:39:41
